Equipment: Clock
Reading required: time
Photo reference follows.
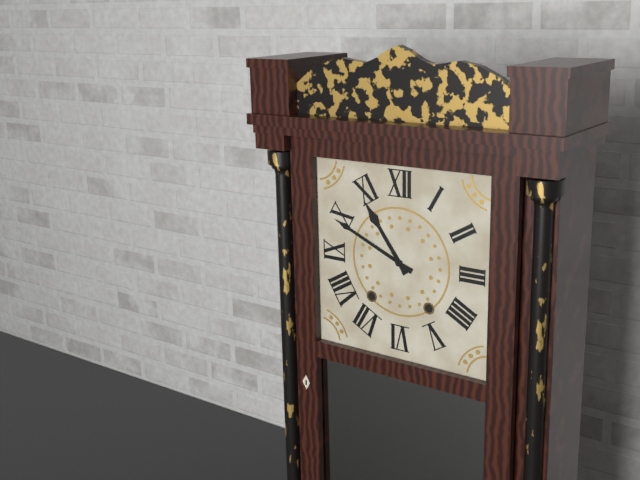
10:49
